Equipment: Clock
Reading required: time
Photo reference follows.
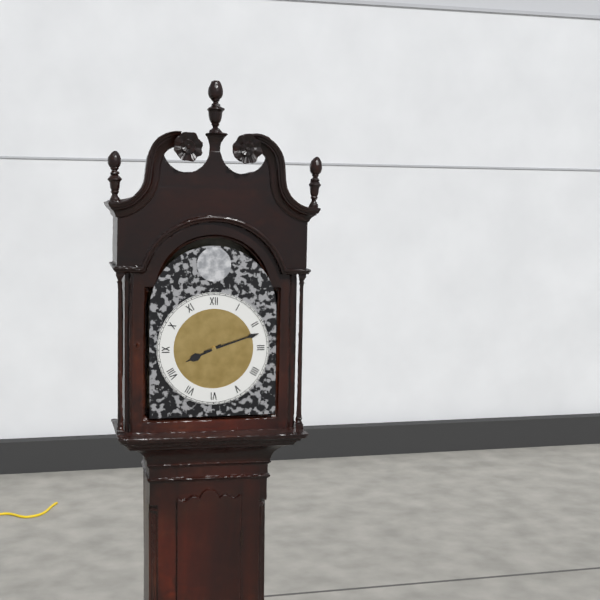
8:12
